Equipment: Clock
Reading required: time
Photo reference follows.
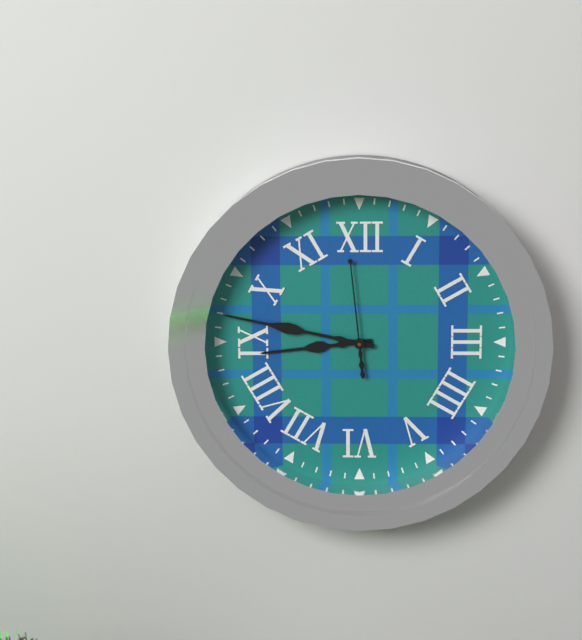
8:47:59
